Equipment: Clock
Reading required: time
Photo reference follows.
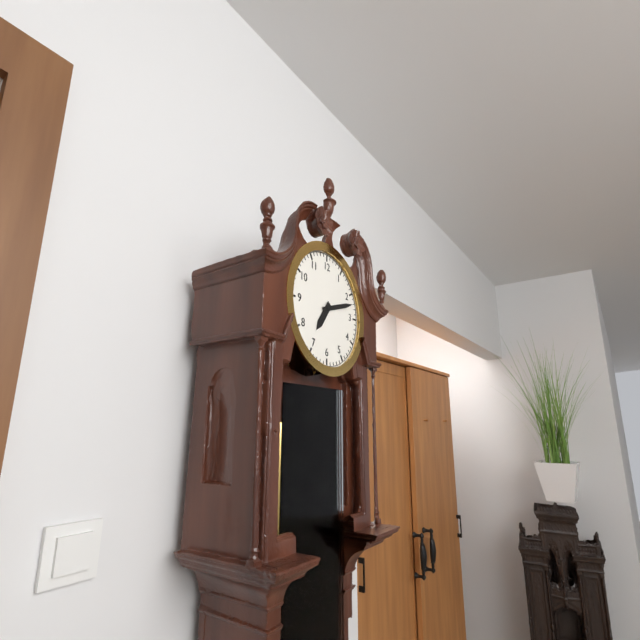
7:12
